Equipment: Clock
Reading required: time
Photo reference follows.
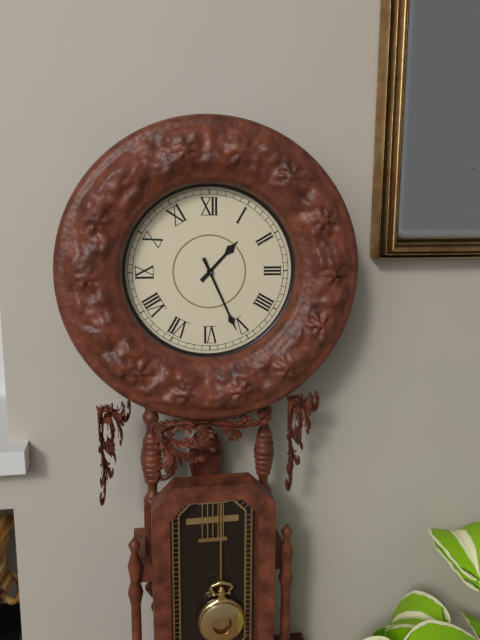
1:26
